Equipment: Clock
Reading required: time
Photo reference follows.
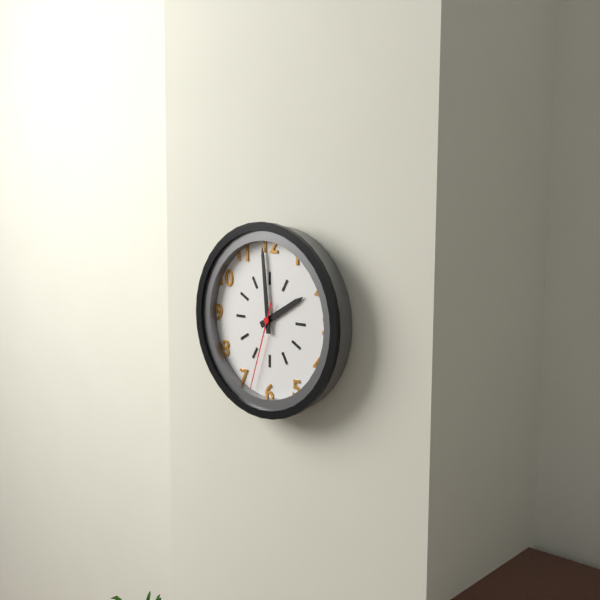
1:59:33
